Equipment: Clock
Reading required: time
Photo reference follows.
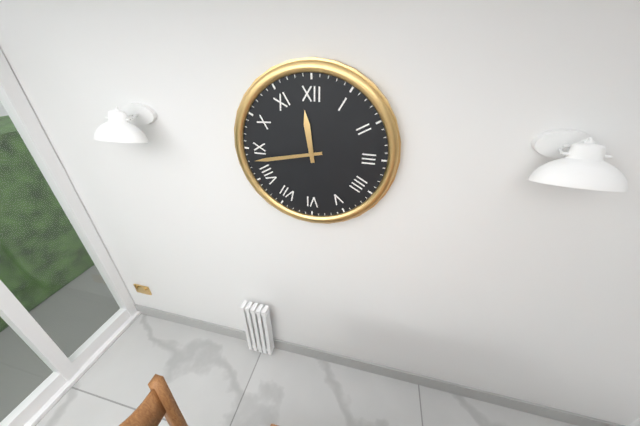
11:43
